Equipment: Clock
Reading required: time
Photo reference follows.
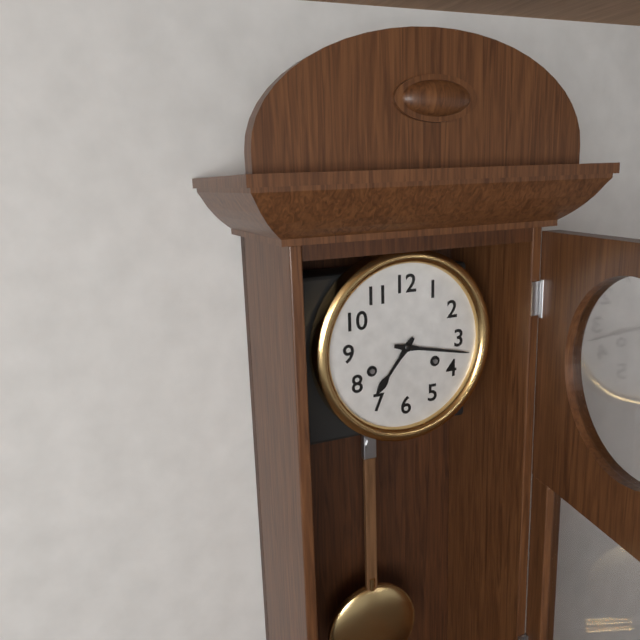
7:17
